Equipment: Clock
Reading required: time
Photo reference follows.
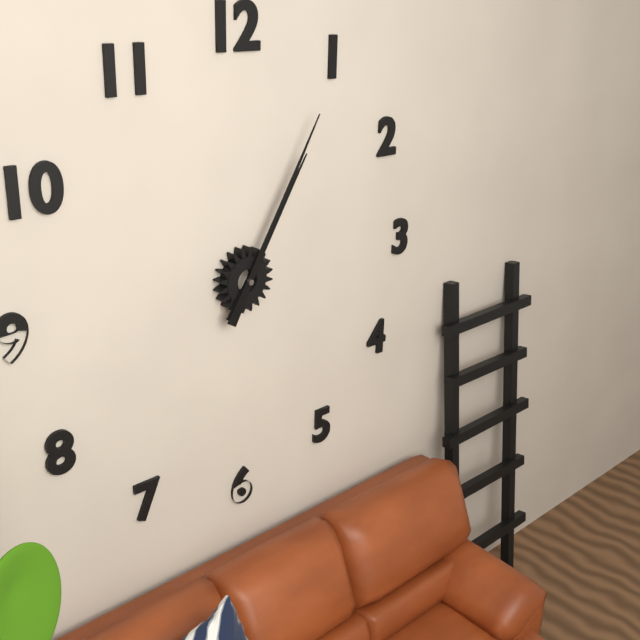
1:05
